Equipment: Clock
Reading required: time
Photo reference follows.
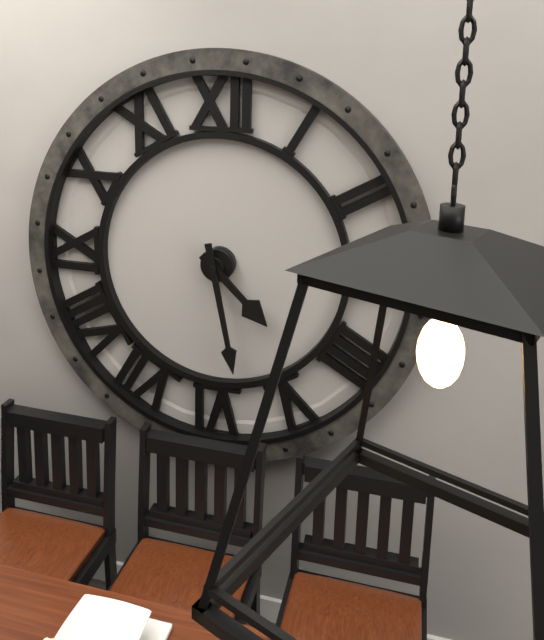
4:28
